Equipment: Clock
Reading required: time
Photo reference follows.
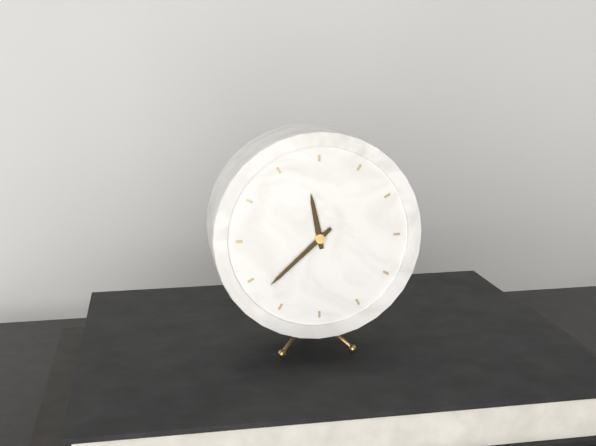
11:38
